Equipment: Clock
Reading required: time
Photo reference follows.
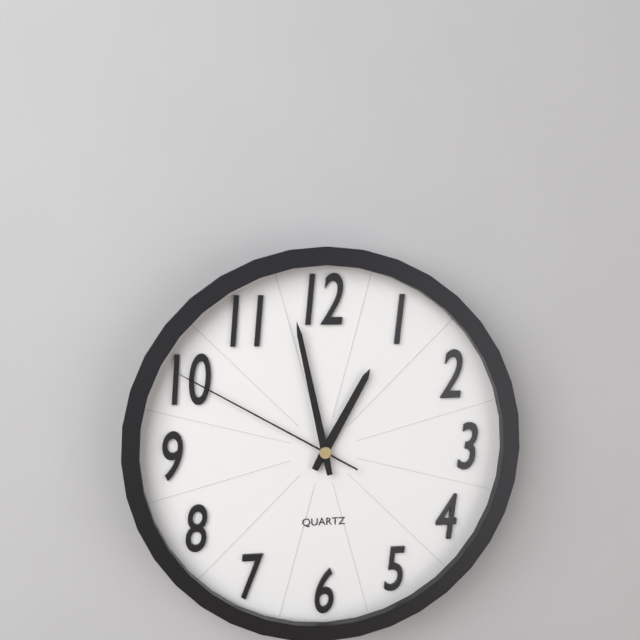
12:58:50
